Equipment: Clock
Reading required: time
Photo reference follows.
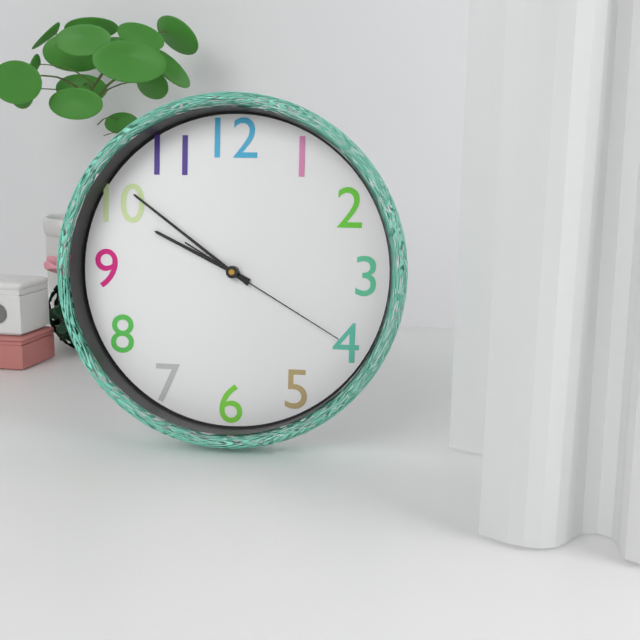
9:51:20
